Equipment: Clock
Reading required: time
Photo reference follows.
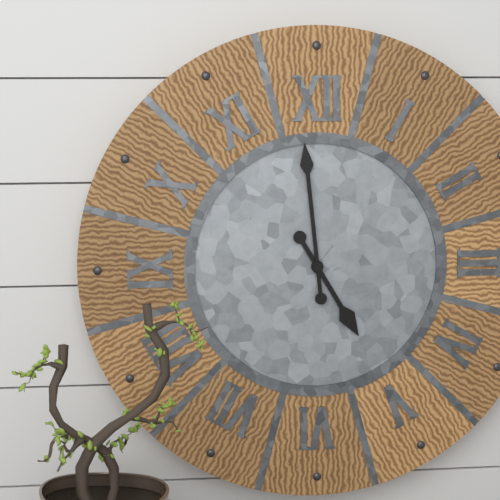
4:59
